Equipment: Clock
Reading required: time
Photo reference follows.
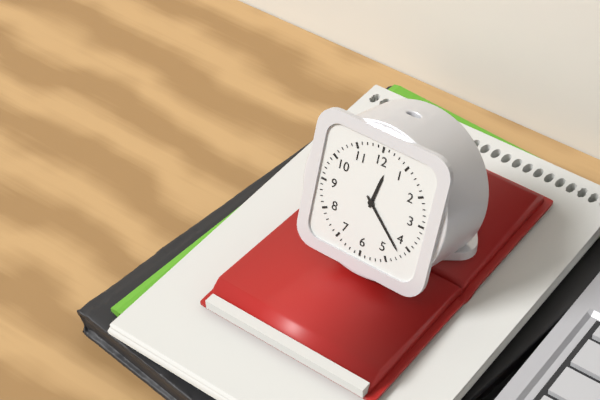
12:22
